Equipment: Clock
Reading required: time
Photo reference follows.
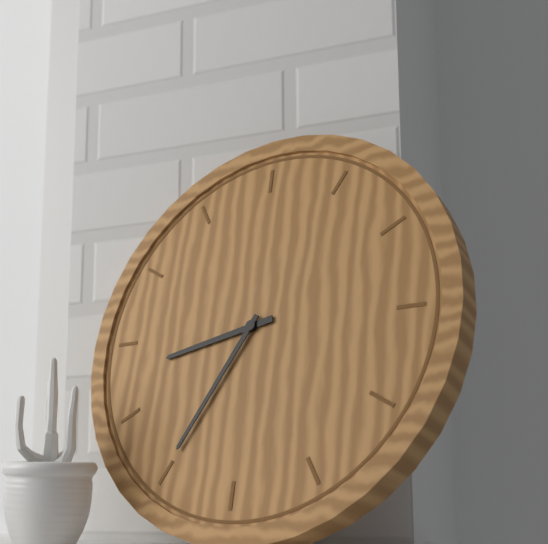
8:35
